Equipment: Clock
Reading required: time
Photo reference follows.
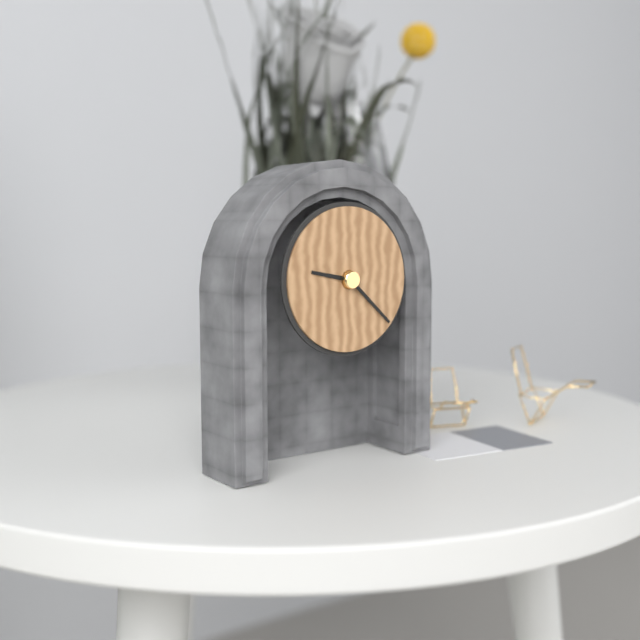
9:22
